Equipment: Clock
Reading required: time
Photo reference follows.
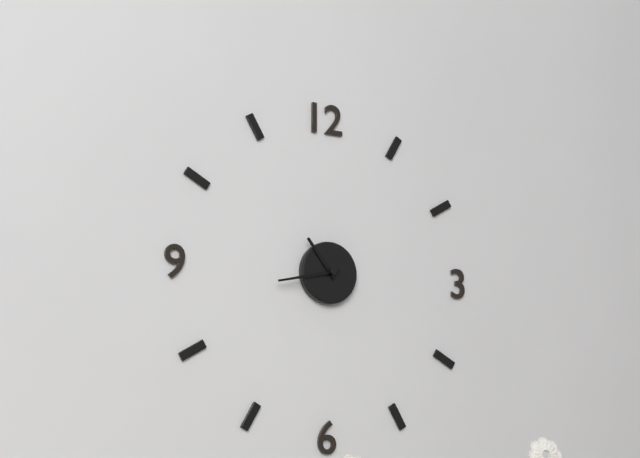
10:43
